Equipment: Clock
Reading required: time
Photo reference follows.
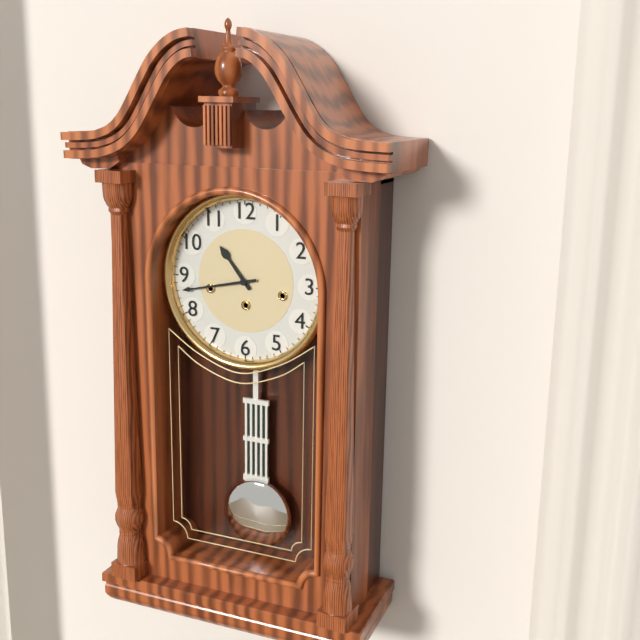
10:43
